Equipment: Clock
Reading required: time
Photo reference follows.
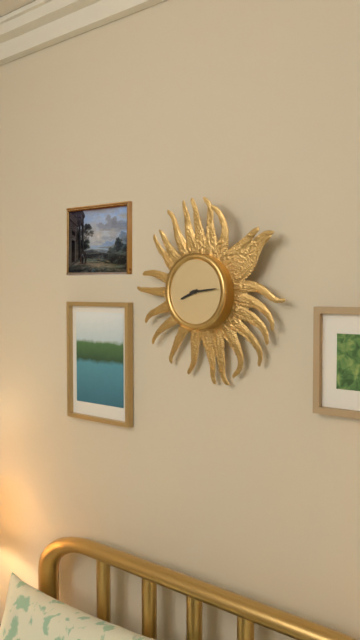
8:14
